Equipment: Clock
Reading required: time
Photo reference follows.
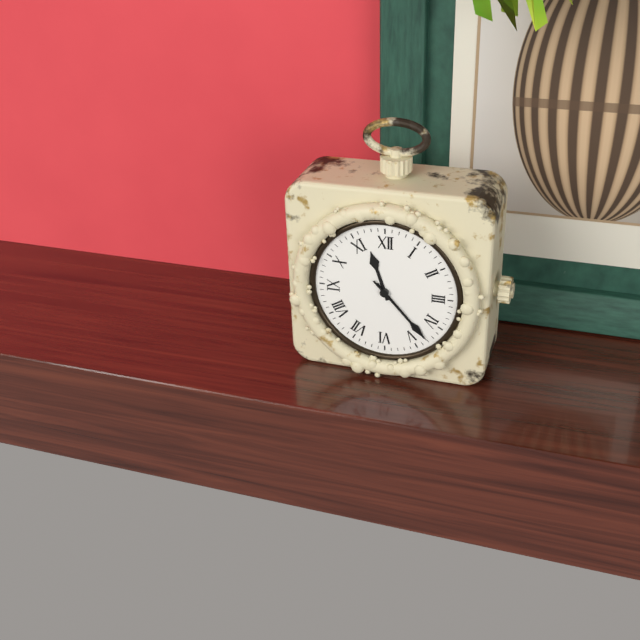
11:23:23
